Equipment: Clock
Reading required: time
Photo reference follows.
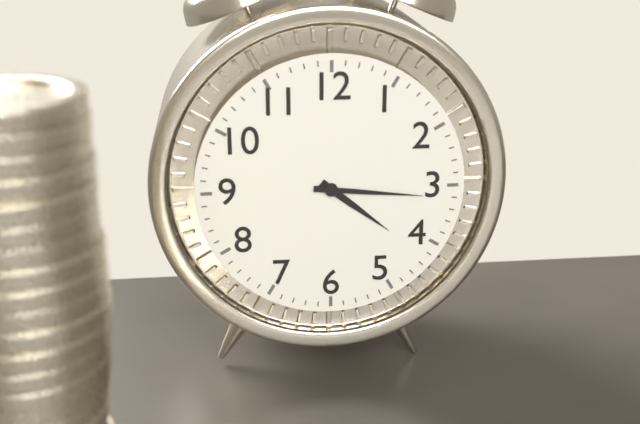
4:16
